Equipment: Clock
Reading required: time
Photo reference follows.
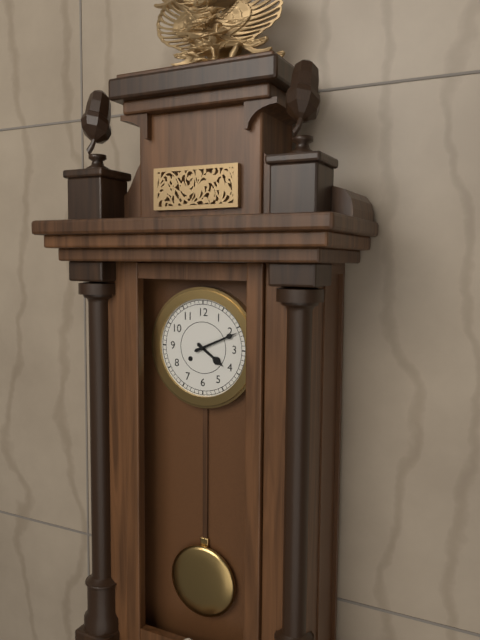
4:11
